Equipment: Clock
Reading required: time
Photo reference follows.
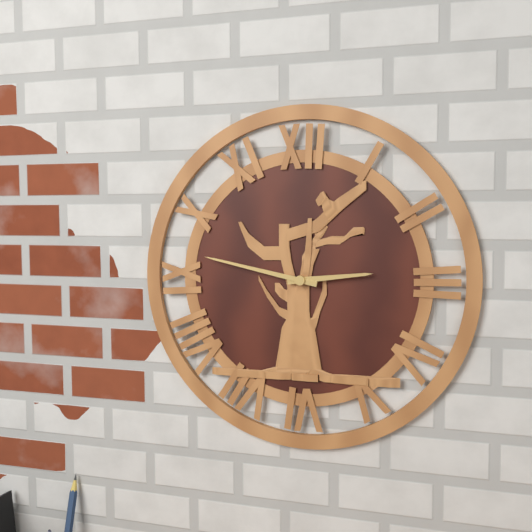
2:47
